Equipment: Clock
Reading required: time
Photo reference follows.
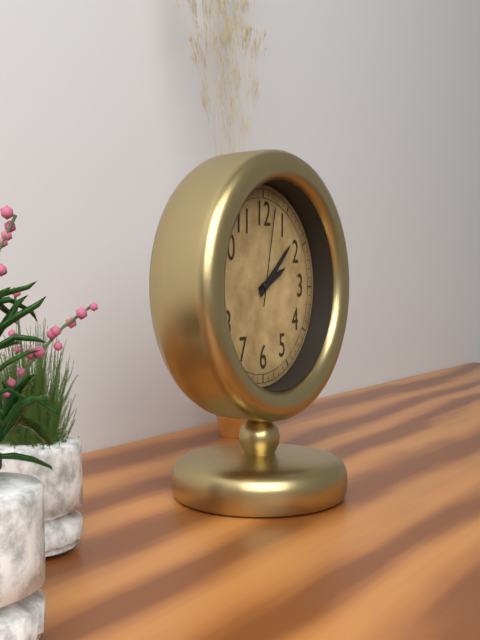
2:08:02
